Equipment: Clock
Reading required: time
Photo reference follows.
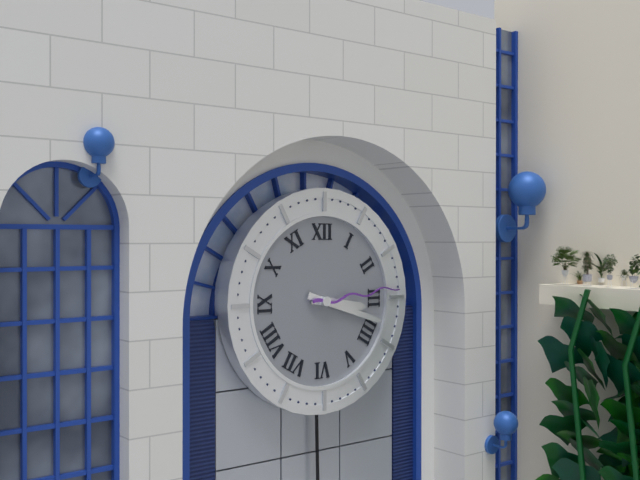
3:18:14
